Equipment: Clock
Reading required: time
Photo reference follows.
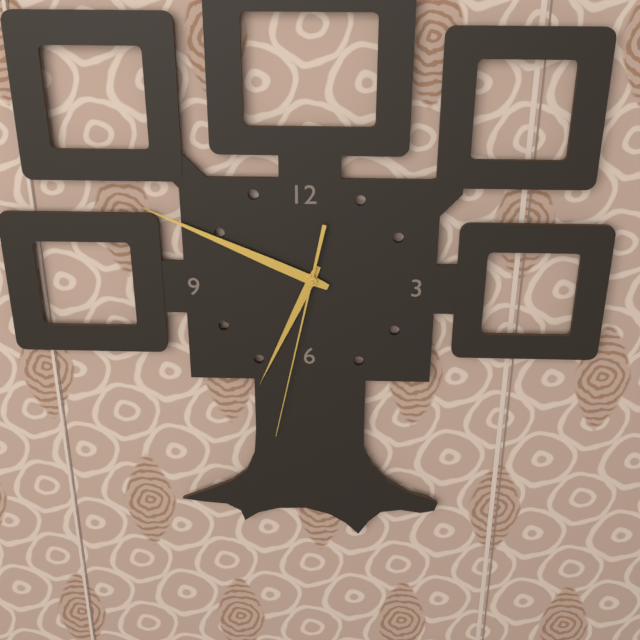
6:49:32
